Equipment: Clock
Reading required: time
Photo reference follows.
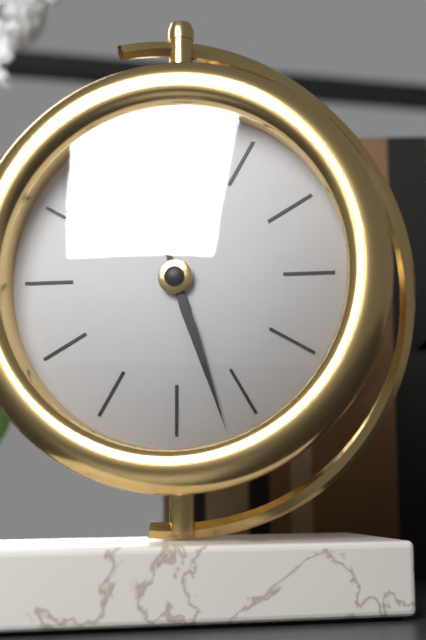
5:27
